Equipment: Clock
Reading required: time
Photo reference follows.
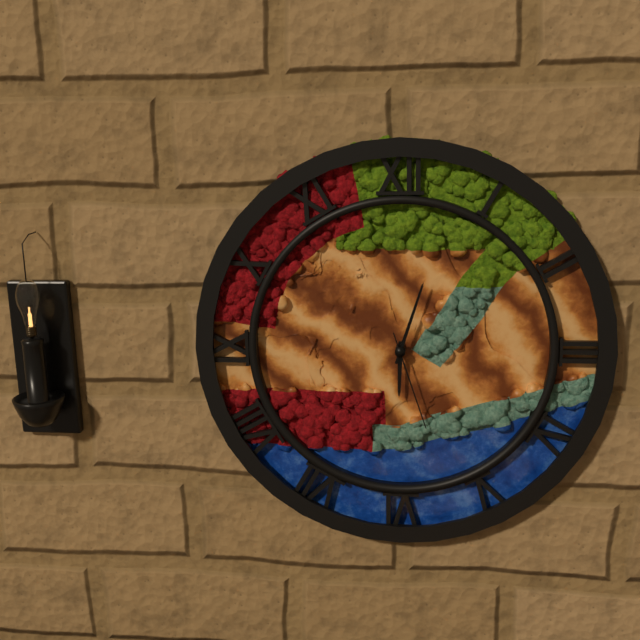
6:03:27
